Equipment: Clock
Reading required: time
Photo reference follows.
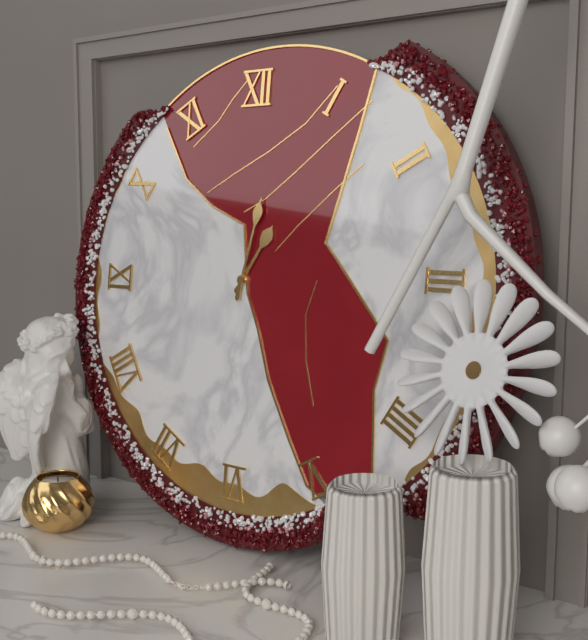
1:02
